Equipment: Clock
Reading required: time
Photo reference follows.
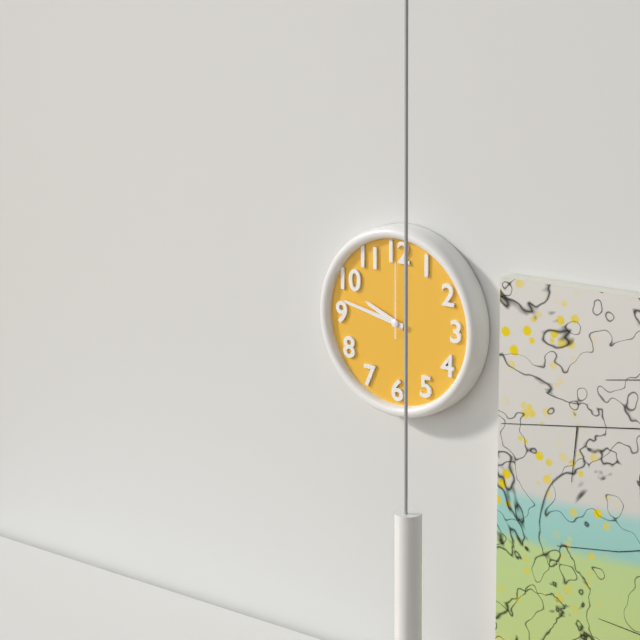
9:47:00
